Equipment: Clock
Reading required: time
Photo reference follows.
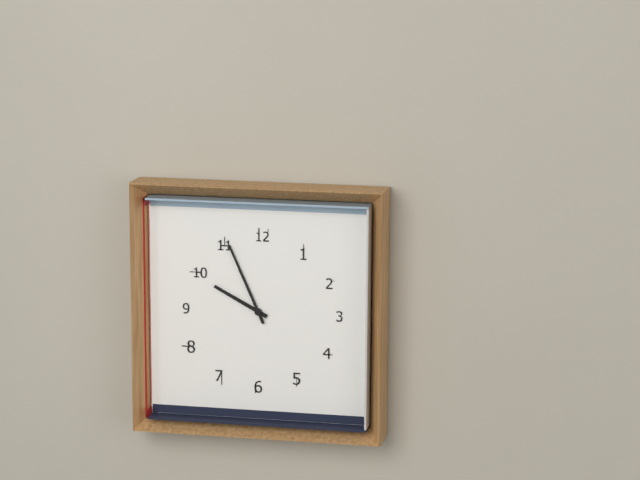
9:56
